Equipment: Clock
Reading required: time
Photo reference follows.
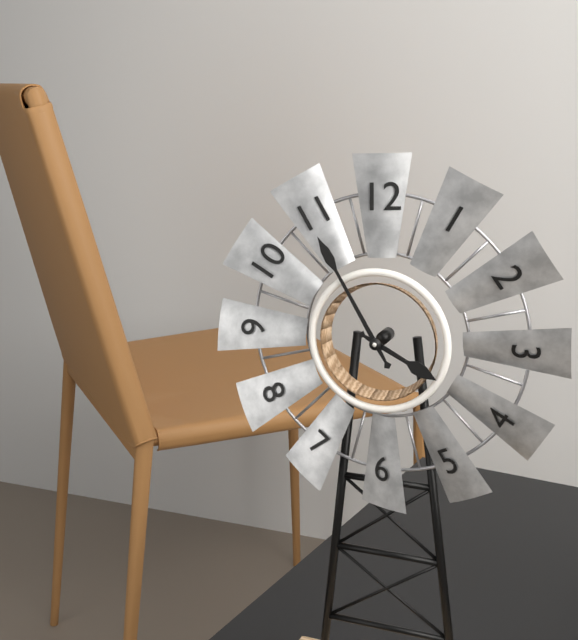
3:55
